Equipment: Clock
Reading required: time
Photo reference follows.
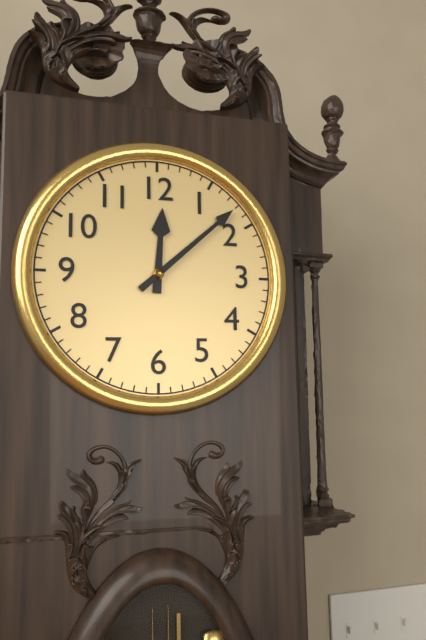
12:08
